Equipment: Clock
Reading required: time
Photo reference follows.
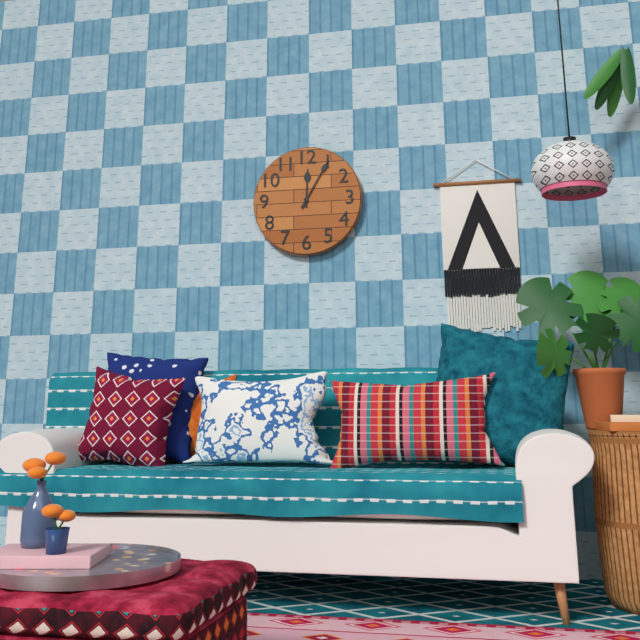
12:05
